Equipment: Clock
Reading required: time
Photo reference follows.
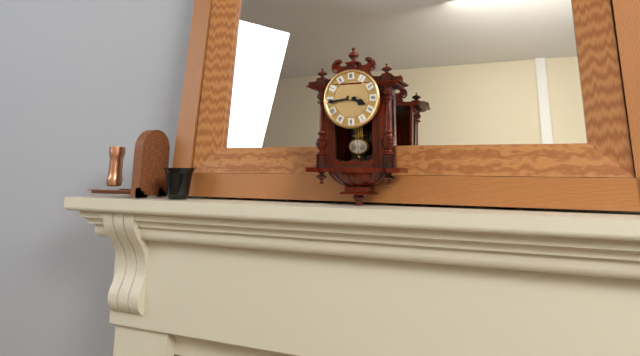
3:44
